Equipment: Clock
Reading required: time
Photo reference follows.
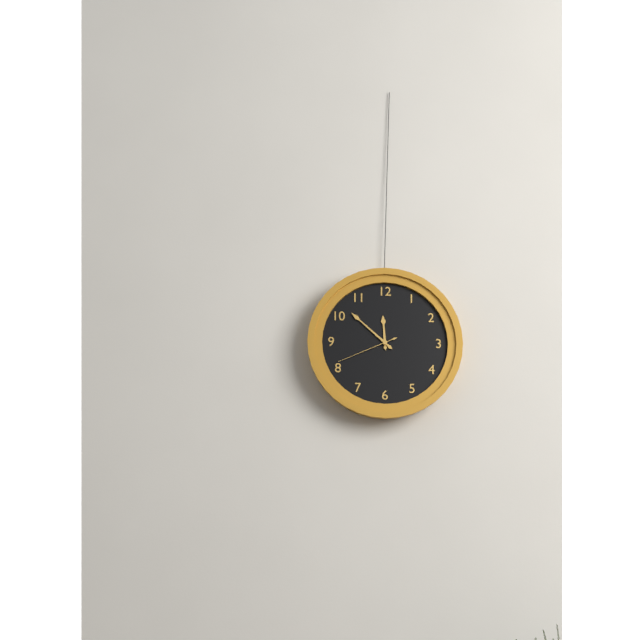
11:52:41
